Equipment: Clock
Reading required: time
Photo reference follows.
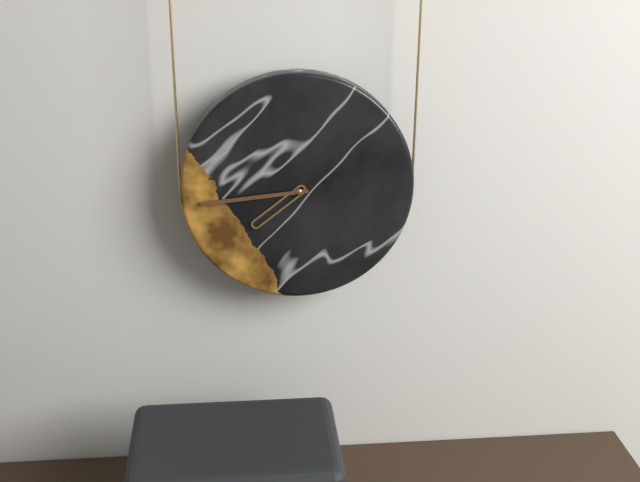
7:44
